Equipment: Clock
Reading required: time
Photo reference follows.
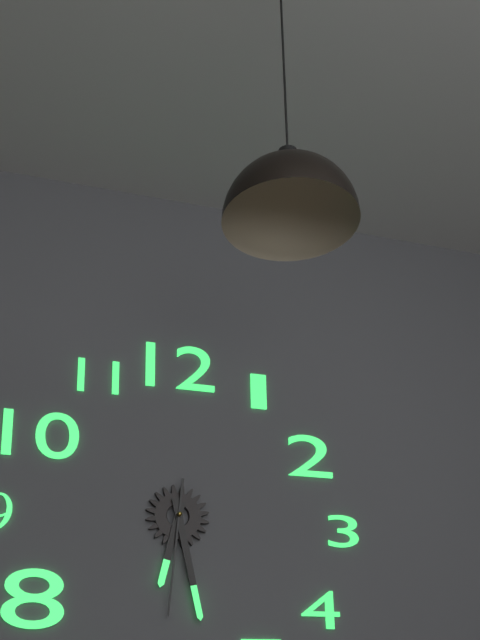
6:28:31
